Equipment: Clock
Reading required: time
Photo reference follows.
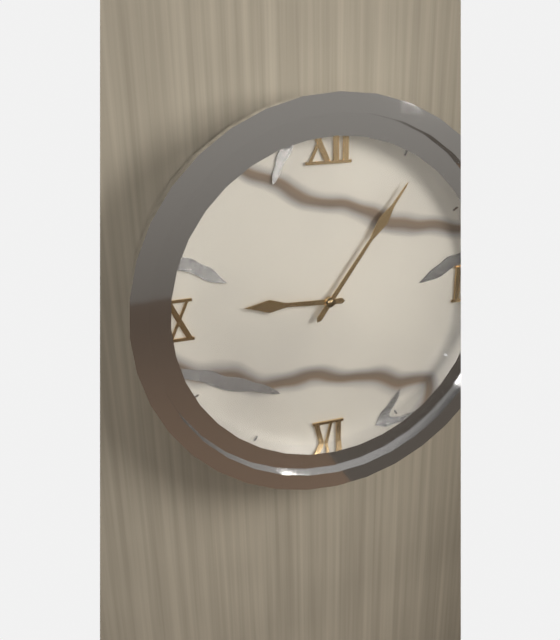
9:06
